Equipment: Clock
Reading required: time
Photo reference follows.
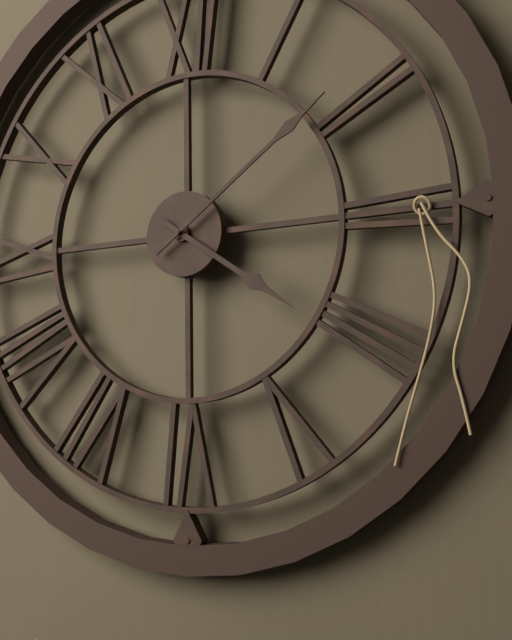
4:09
